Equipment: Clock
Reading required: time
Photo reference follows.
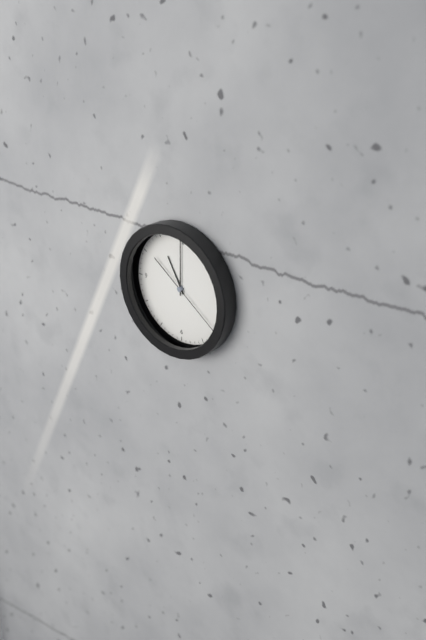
11:00:21
